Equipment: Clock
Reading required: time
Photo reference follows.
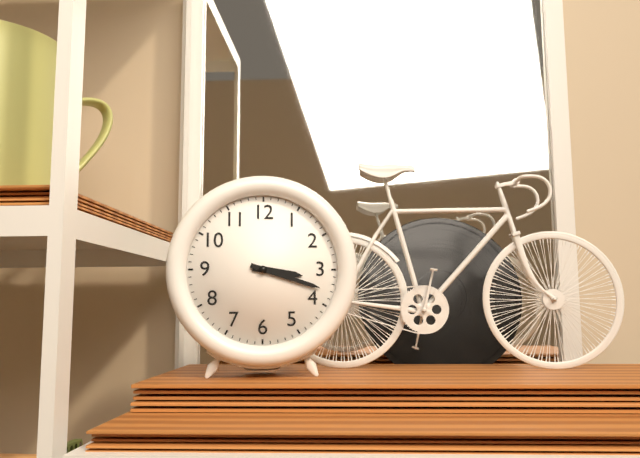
3:18
